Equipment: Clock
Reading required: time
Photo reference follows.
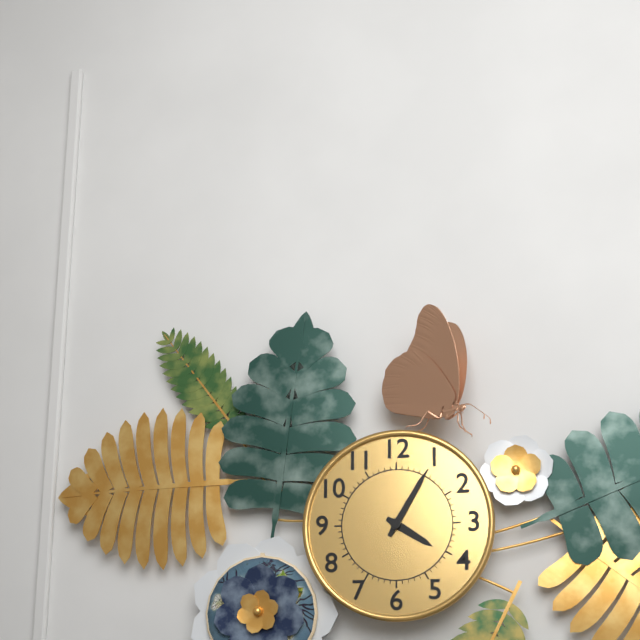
4:05
